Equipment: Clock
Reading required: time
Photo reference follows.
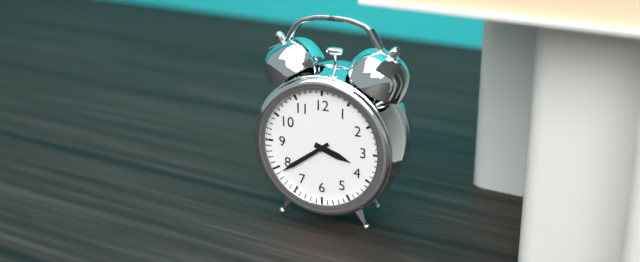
3:39
